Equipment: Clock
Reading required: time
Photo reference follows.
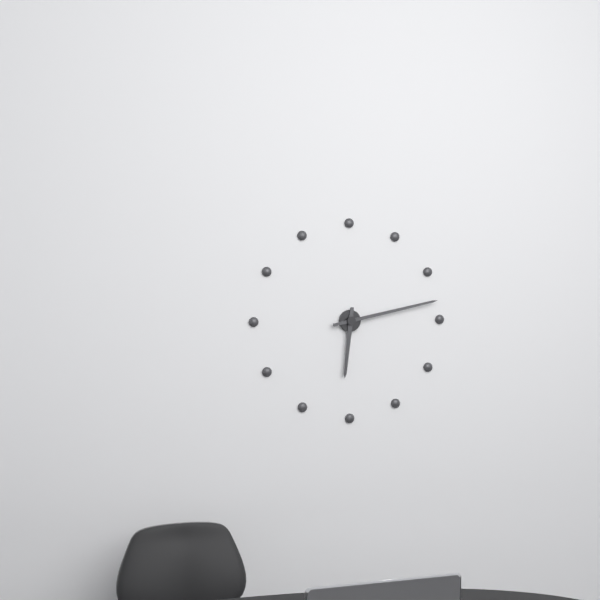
6:13
